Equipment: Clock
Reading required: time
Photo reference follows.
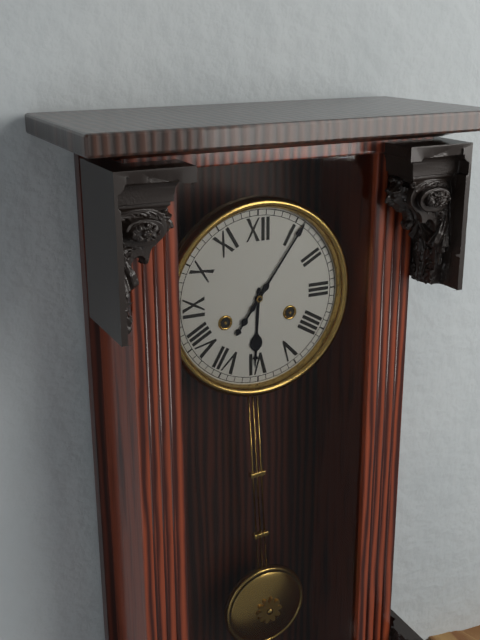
6:06
